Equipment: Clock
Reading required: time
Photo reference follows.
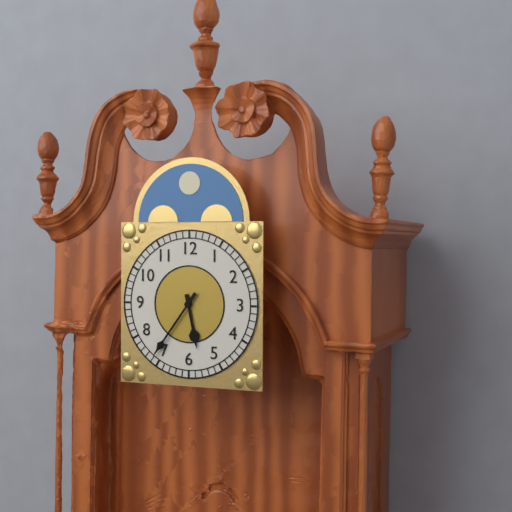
5:36
